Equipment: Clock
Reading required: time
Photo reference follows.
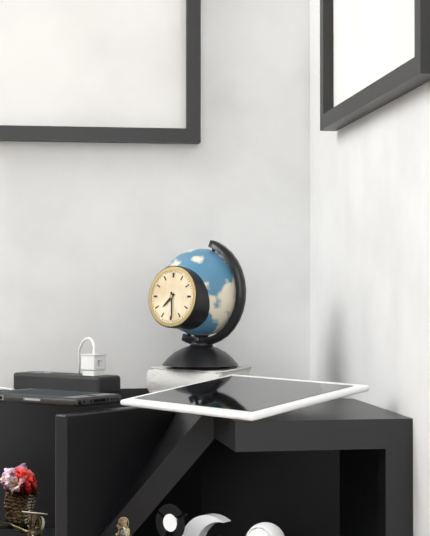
7:29
